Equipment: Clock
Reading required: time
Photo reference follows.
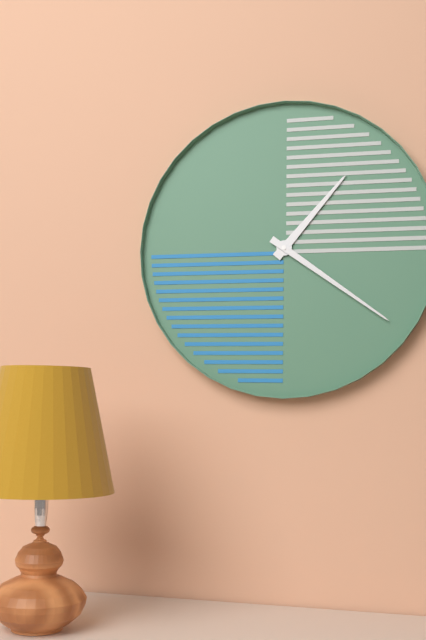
1:21
